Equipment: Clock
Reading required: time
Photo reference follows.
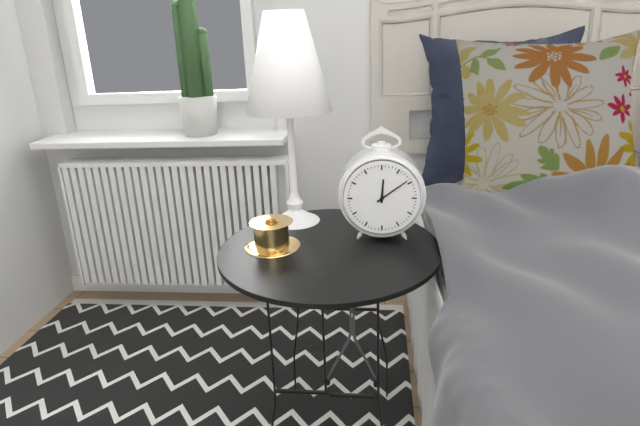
12:09
